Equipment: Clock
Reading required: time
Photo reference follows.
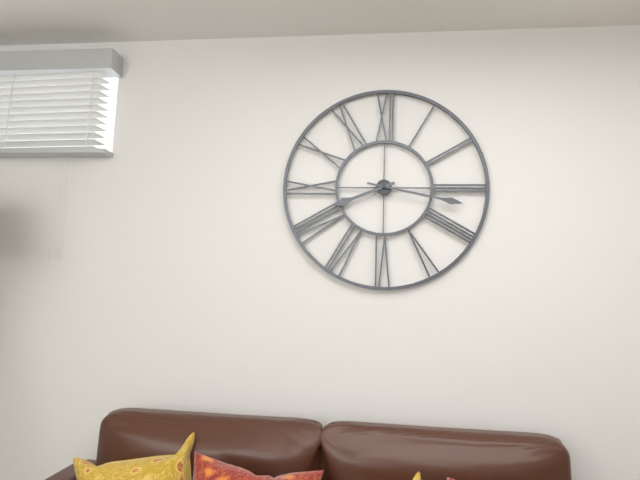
8:17
